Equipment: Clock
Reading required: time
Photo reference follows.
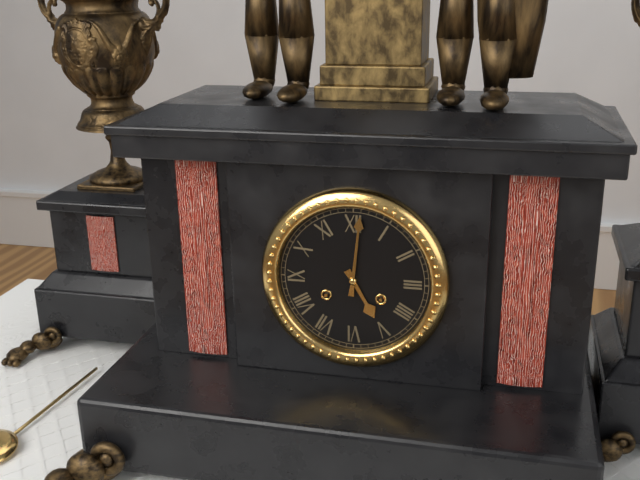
5:01
